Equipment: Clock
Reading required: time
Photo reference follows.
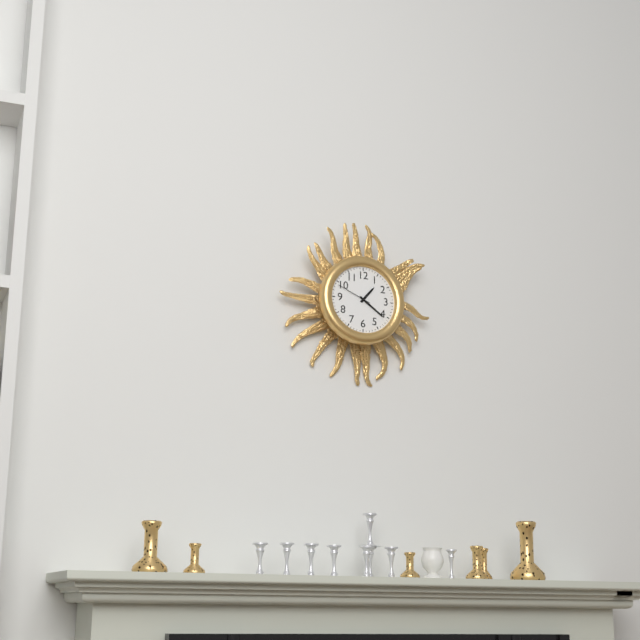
1:21
